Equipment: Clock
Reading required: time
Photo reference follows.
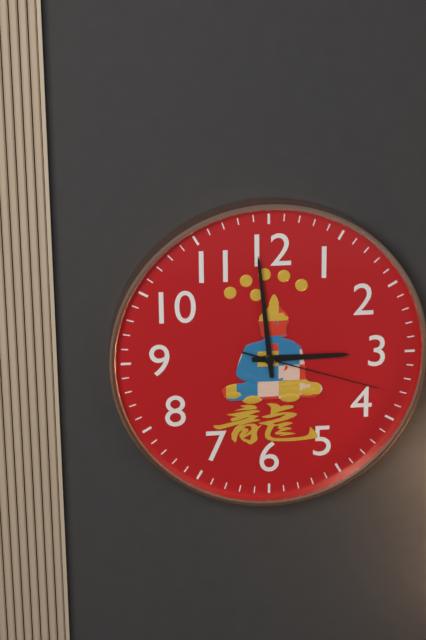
2:59:18
